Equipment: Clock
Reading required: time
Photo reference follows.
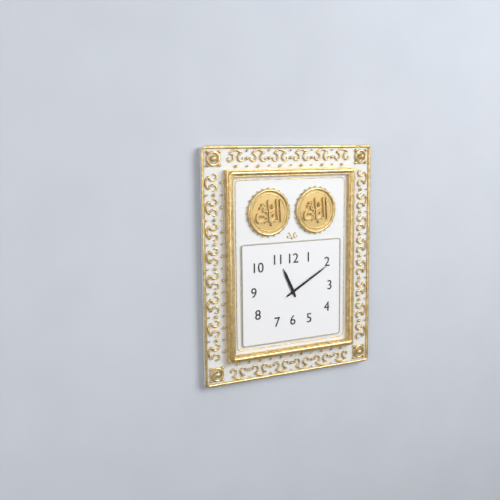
11:10
